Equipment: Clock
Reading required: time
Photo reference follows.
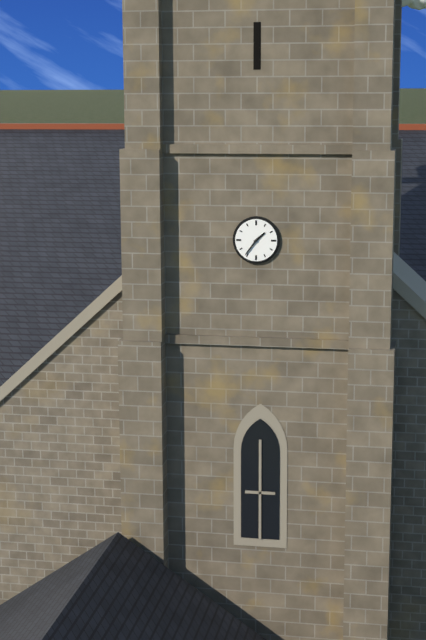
1:36
